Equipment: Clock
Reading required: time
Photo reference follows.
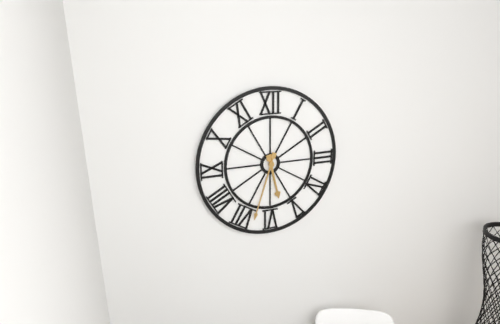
5:33
